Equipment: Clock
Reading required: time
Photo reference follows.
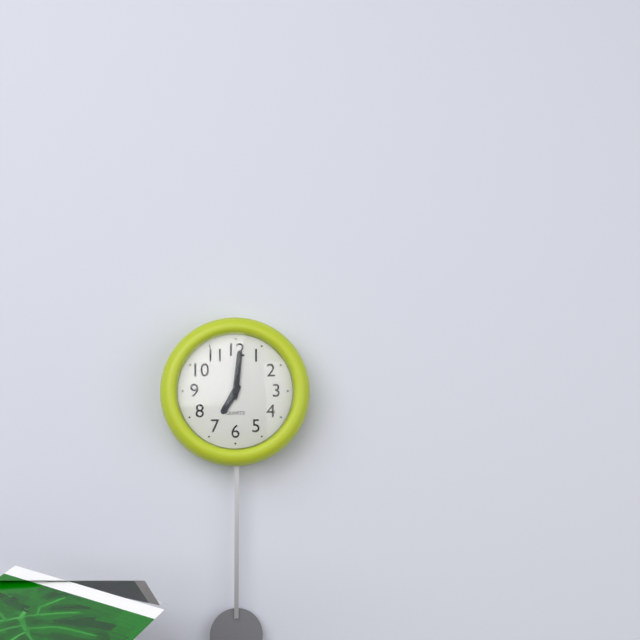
7:01
